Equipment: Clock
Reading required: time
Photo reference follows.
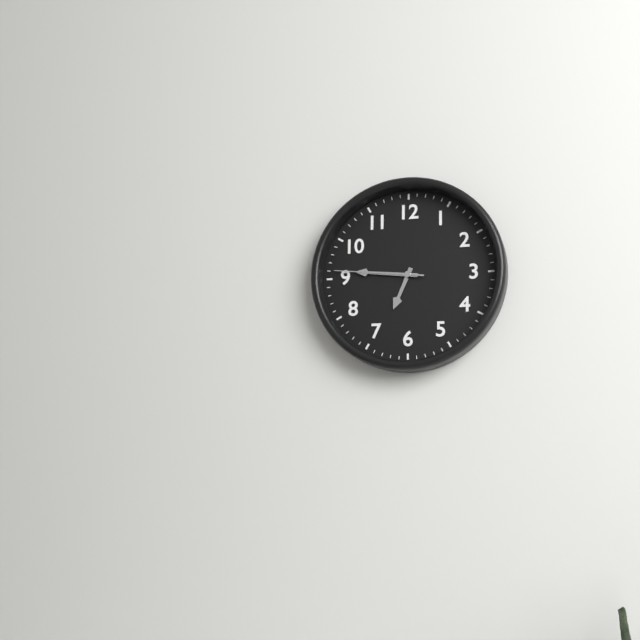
6:46:46
